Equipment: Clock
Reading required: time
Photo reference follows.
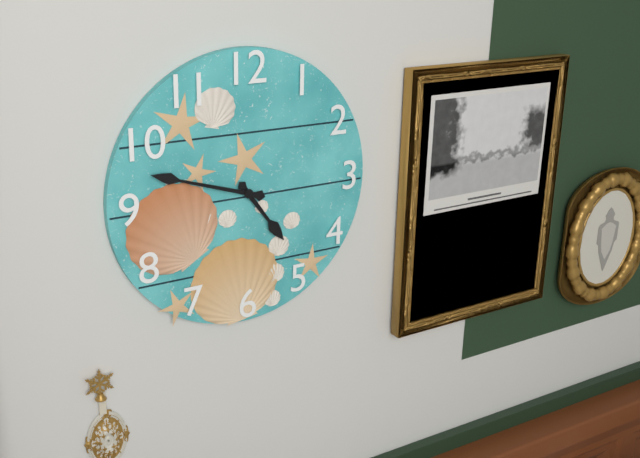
4:48
